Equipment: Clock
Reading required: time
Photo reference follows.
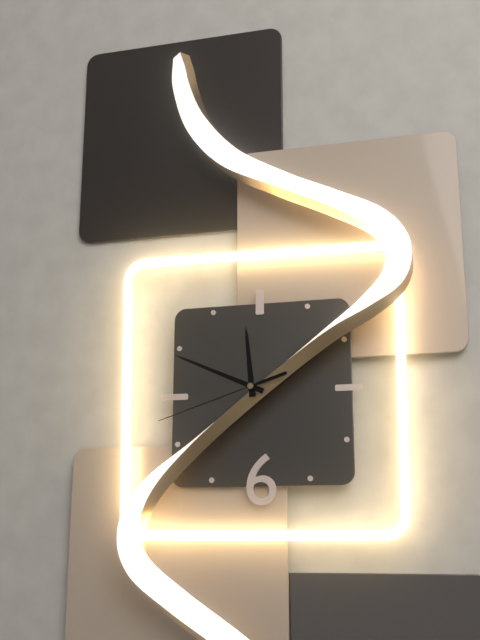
11:49:42
